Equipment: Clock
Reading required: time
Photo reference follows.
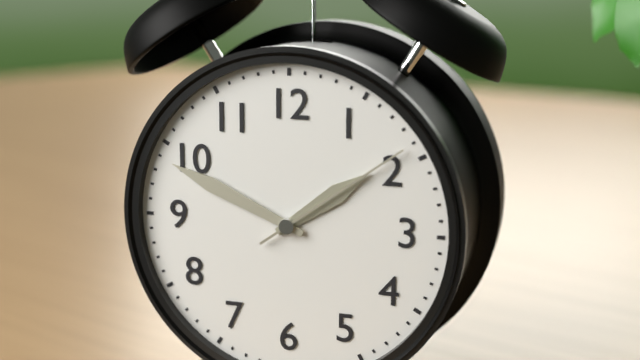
1:49:09
